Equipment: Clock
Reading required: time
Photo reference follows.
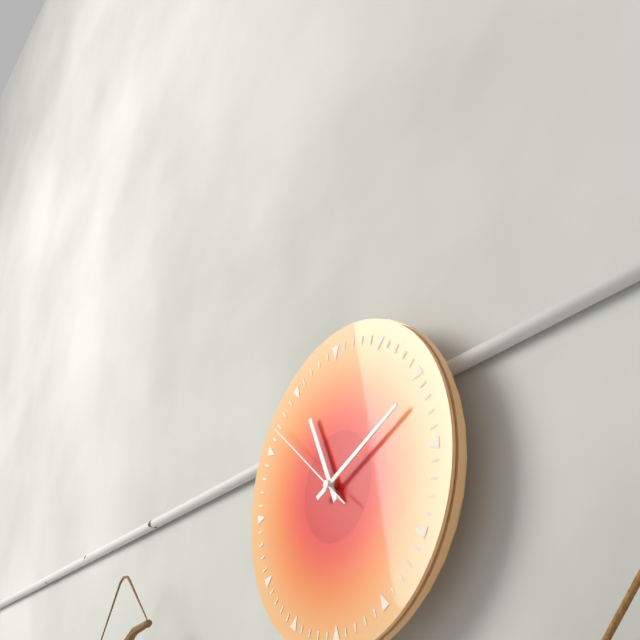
11:11:52
